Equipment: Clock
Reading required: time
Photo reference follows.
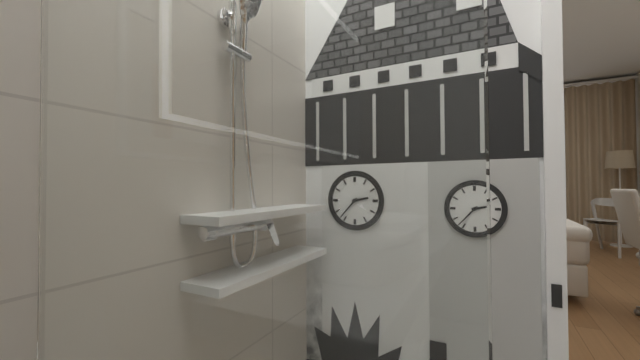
2:37
